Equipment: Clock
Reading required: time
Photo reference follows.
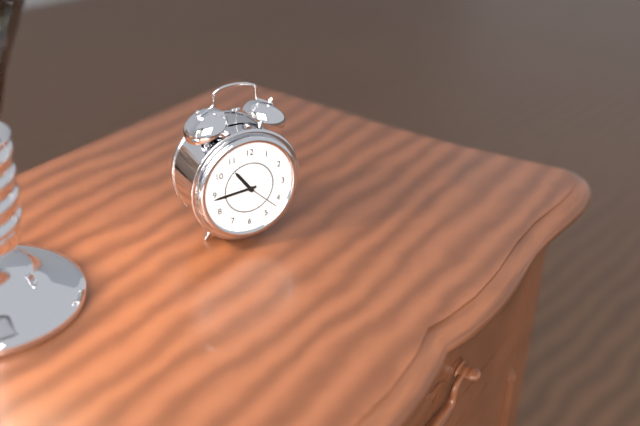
10:44
